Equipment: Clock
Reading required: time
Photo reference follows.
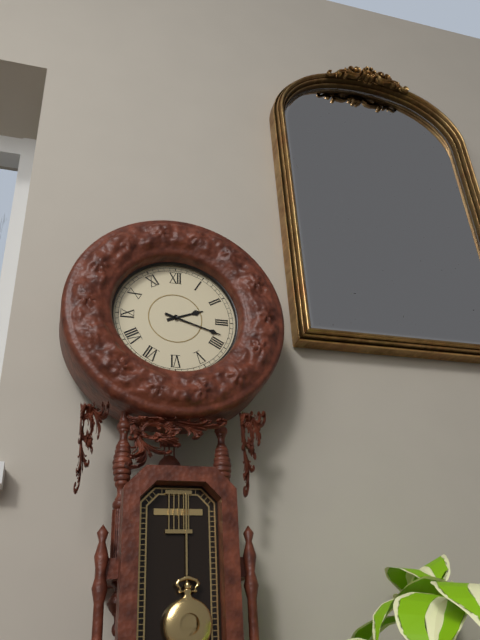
2:18
